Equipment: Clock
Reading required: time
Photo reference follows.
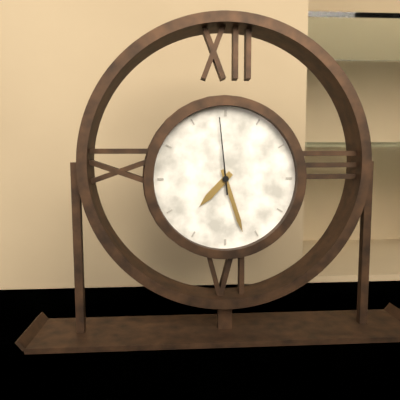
7:27:59
